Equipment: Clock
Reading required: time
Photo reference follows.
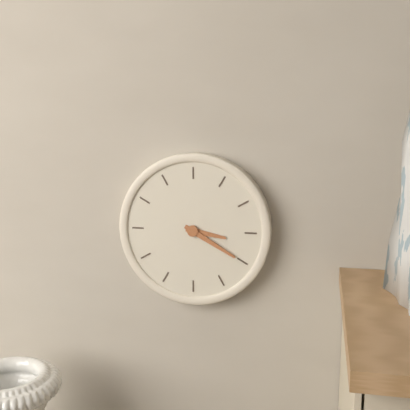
3:20
